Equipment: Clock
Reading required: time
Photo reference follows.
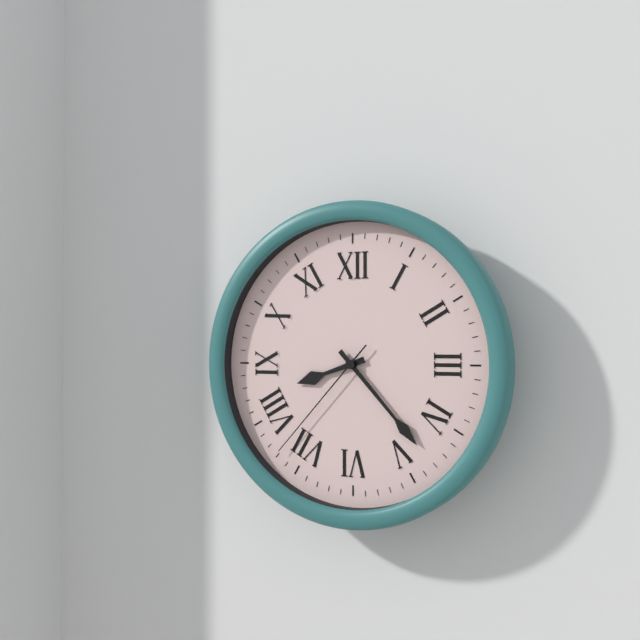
8:23:37
